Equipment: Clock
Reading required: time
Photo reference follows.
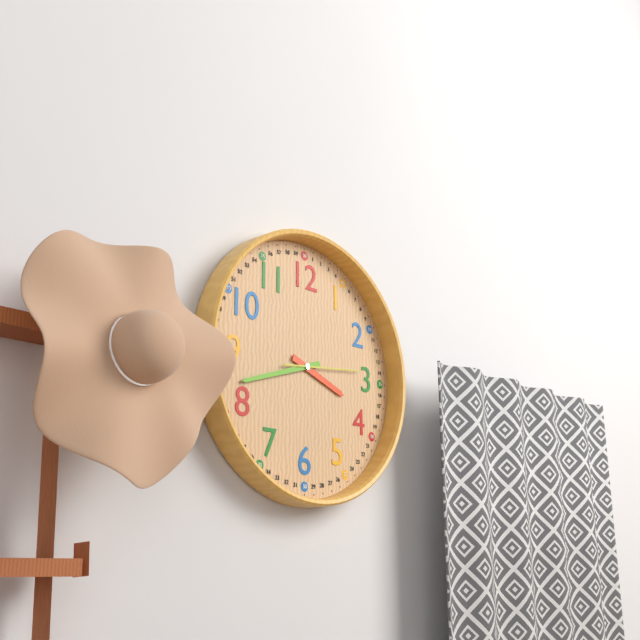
3:42:14
